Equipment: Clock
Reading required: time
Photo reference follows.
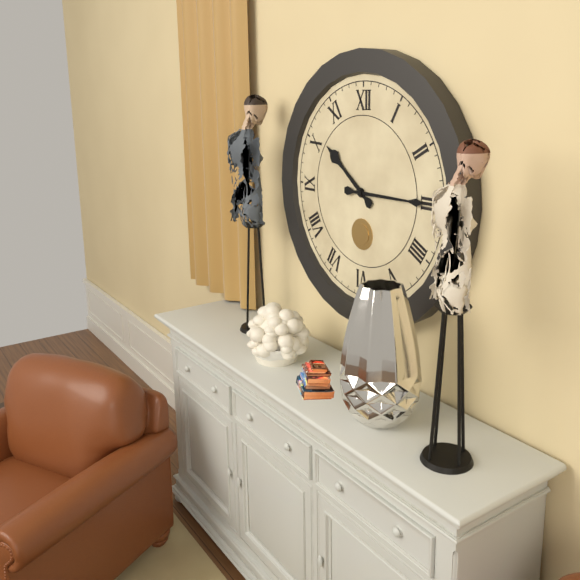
10:15
